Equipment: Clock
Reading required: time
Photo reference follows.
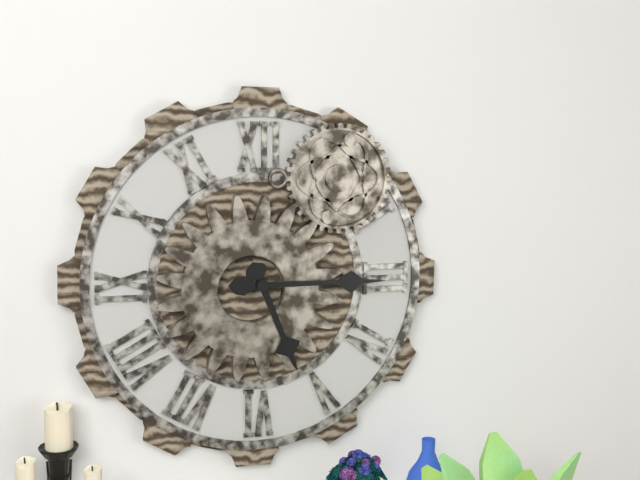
5:15
